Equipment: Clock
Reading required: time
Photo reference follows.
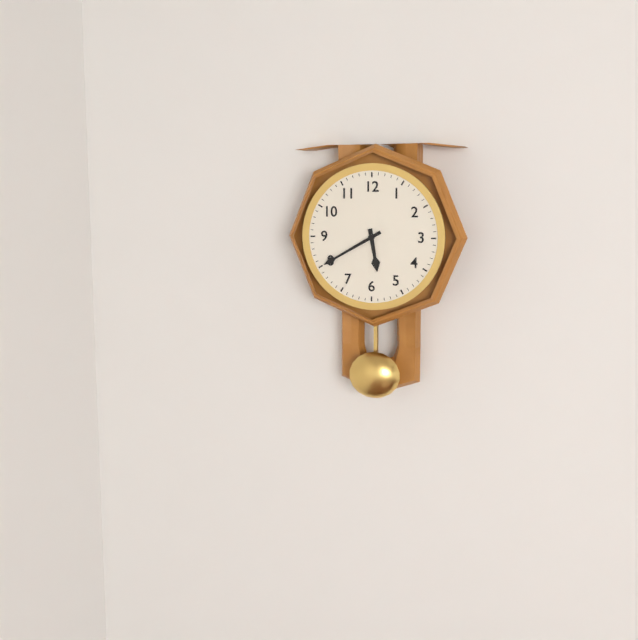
5:40
